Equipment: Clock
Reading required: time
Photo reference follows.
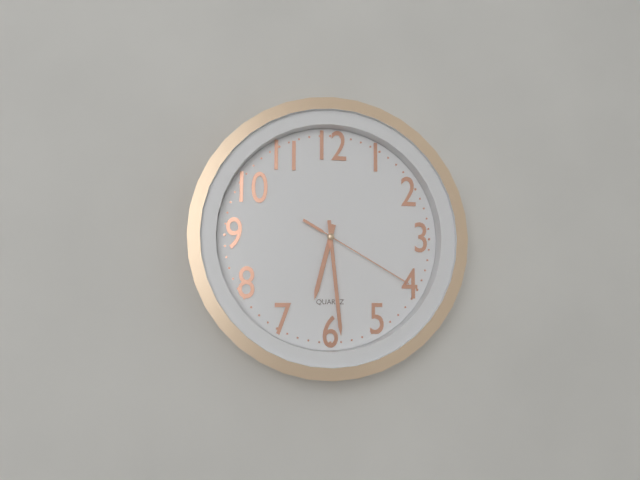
6:29:20
